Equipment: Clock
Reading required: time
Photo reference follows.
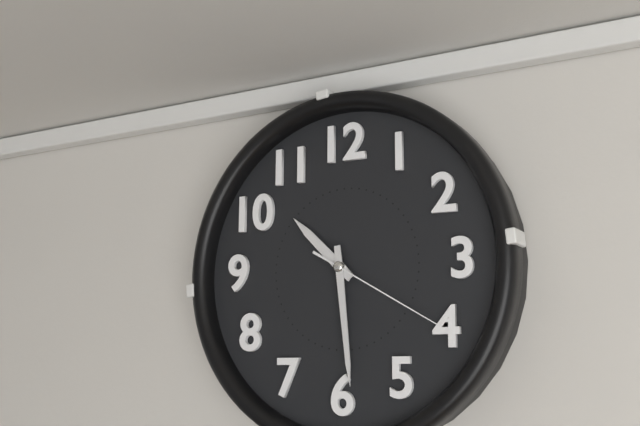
10:29:20
